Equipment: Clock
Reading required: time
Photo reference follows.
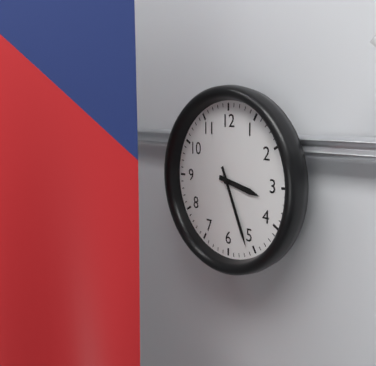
3:26
